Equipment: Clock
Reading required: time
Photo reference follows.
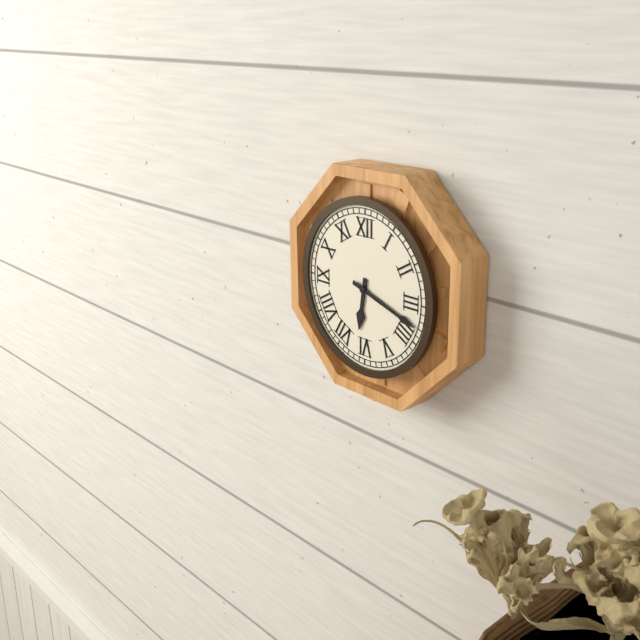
6:18
